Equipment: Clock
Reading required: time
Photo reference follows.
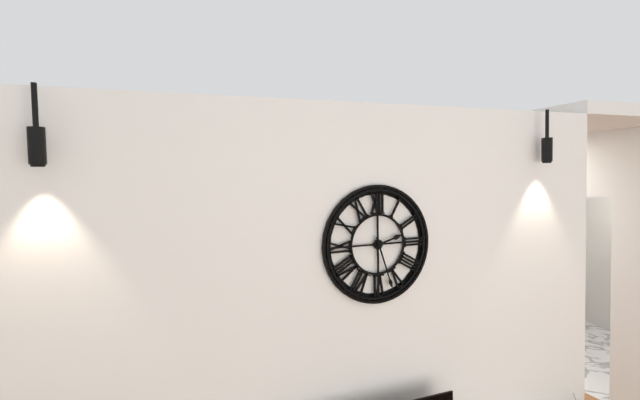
2:27
